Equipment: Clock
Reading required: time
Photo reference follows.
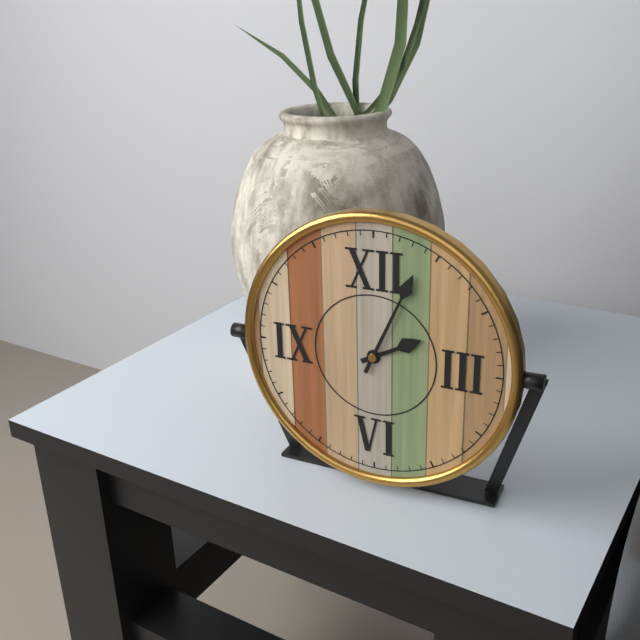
2:04
